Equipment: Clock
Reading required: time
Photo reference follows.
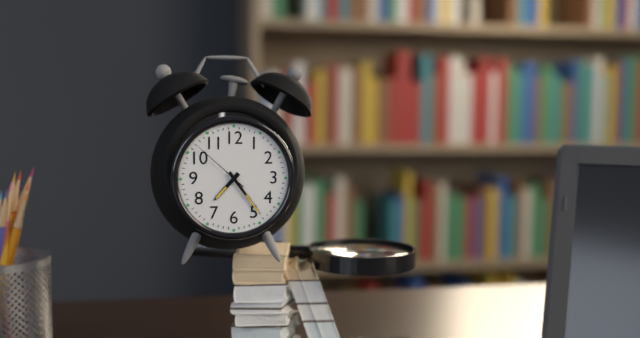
7:24:52
